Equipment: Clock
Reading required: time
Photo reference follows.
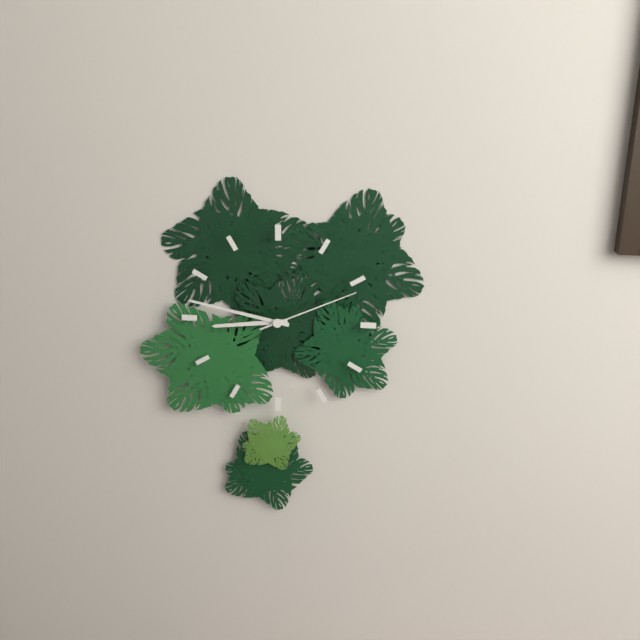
8:47:11
